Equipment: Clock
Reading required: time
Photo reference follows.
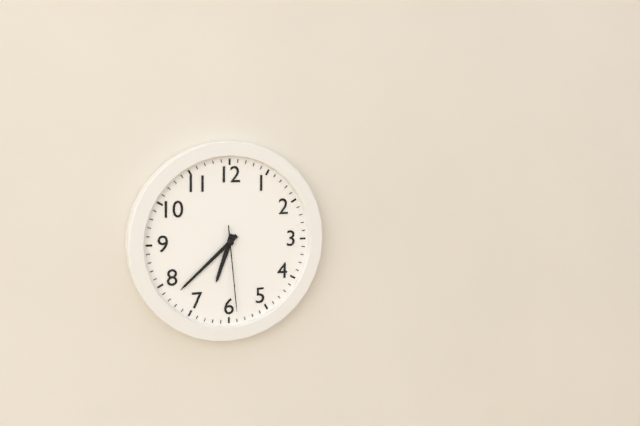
6:38:29
